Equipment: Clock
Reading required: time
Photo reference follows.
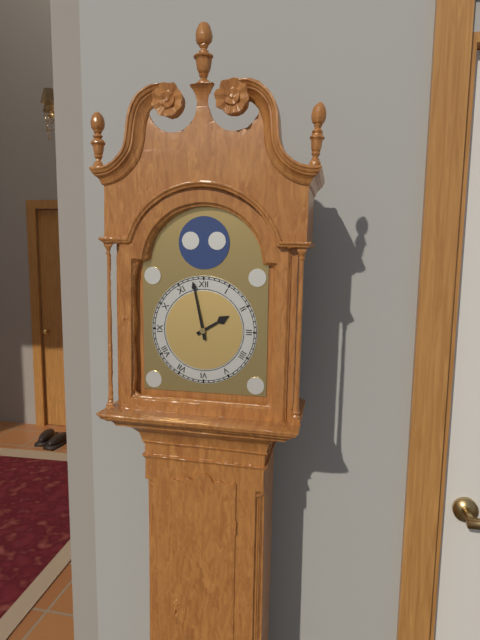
1:58
